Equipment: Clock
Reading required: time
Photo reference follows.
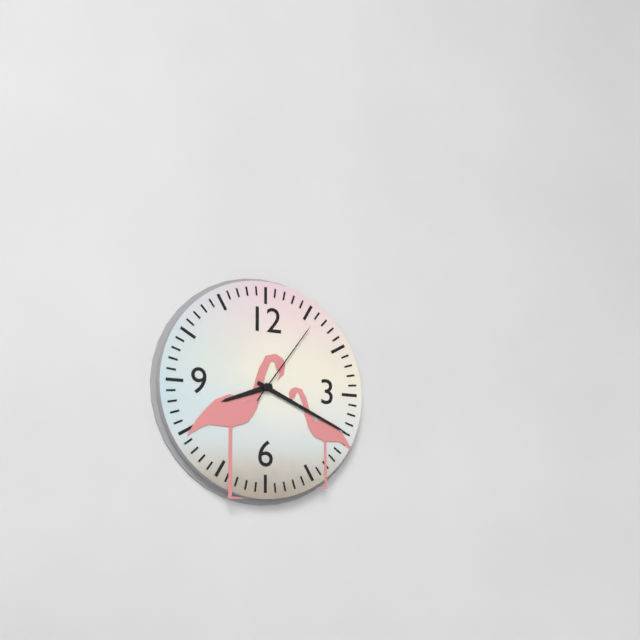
8:19:06
